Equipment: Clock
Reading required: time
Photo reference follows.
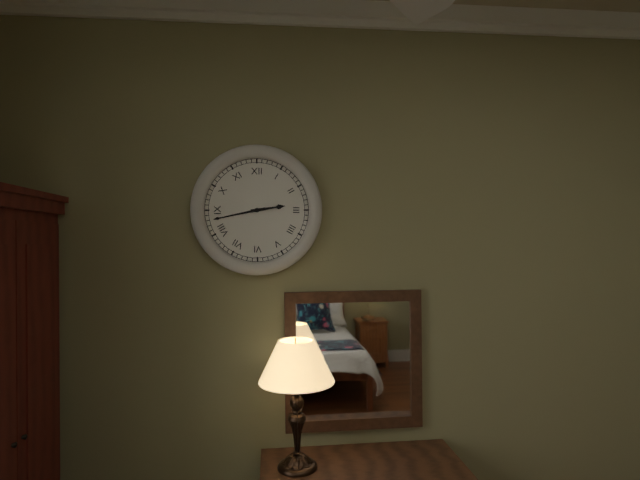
2:43
